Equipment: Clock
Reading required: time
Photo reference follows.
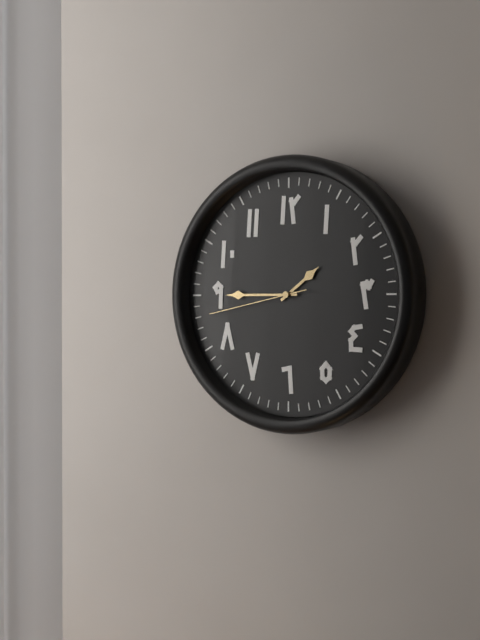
1:45:43
